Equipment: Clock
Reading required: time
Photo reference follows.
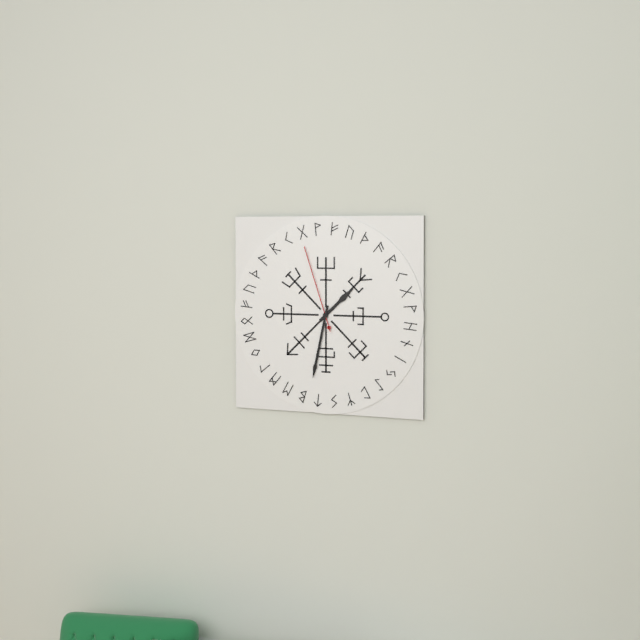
1:32:57
